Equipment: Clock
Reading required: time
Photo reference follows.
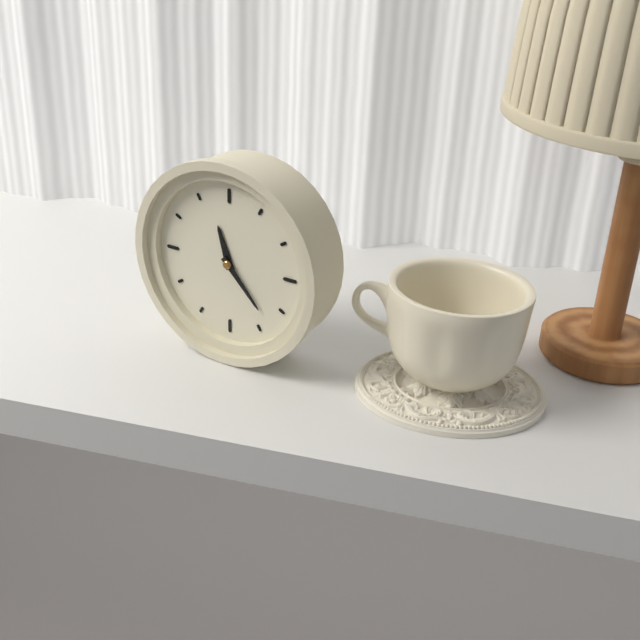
11:23
